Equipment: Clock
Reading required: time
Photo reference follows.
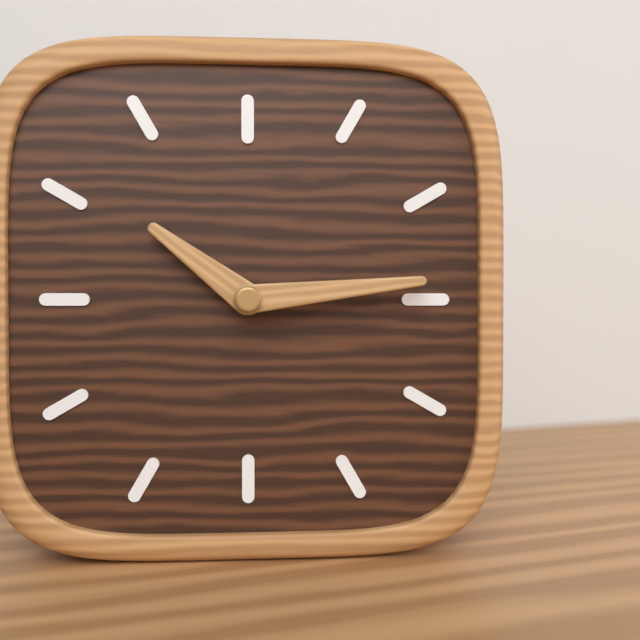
10:14
